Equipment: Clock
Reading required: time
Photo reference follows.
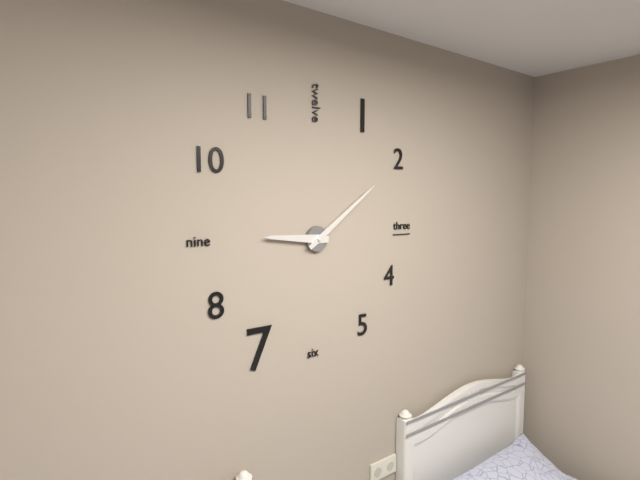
9:09
